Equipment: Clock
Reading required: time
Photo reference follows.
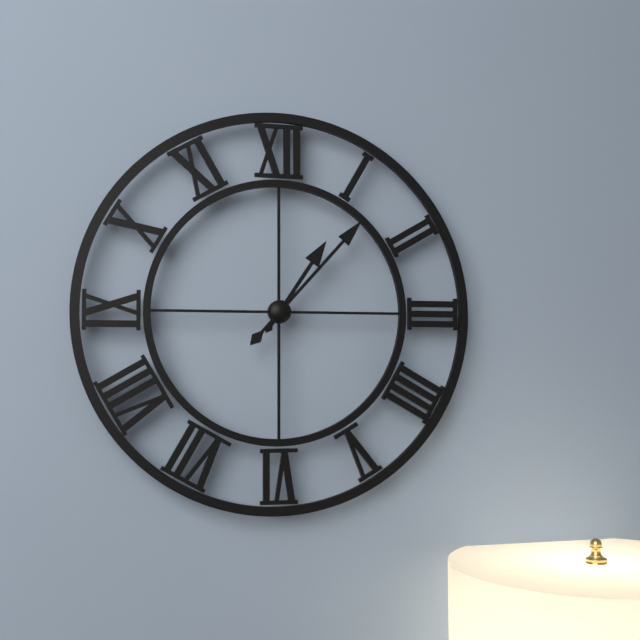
1:07
